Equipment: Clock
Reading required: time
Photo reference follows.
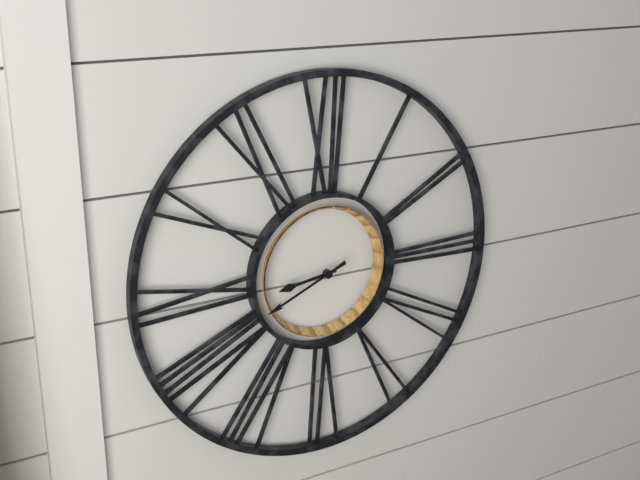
8:41
